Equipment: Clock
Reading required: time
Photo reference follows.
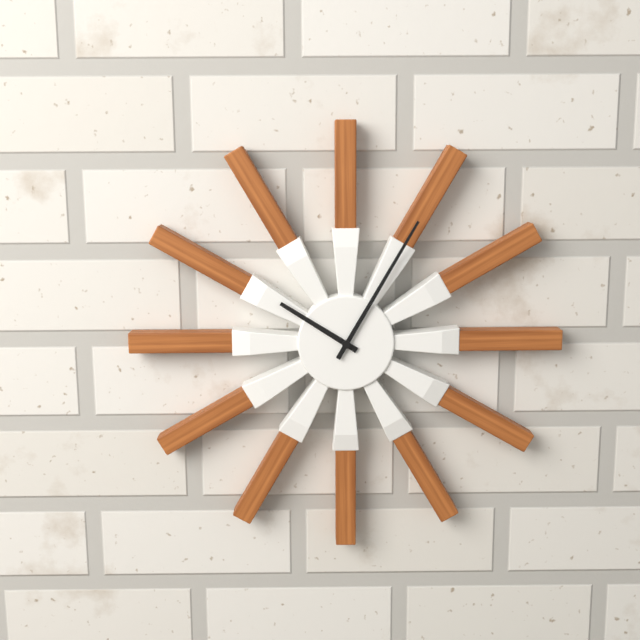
10:05
